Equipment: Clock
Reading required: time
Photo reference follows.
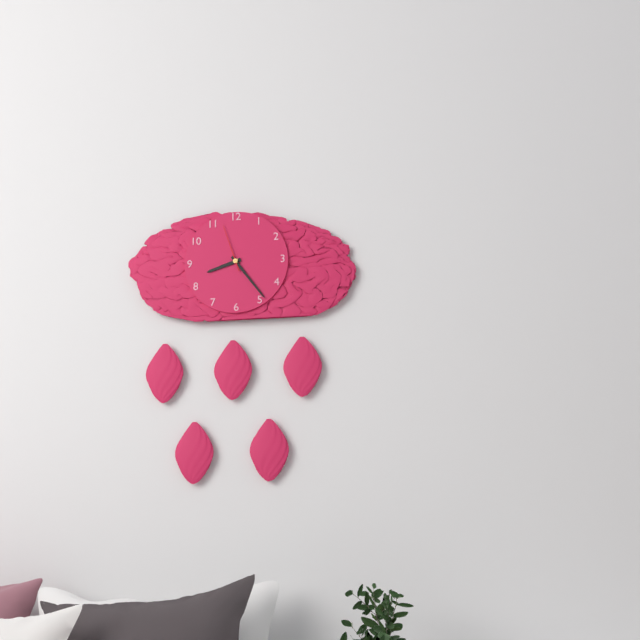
8:24
